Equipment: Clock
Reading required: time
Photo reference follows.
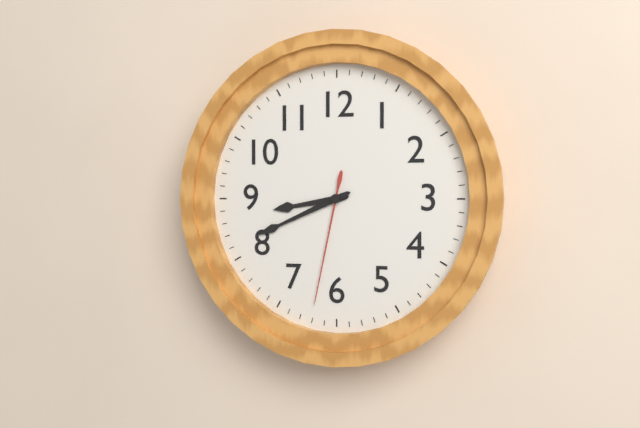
8:41:32
